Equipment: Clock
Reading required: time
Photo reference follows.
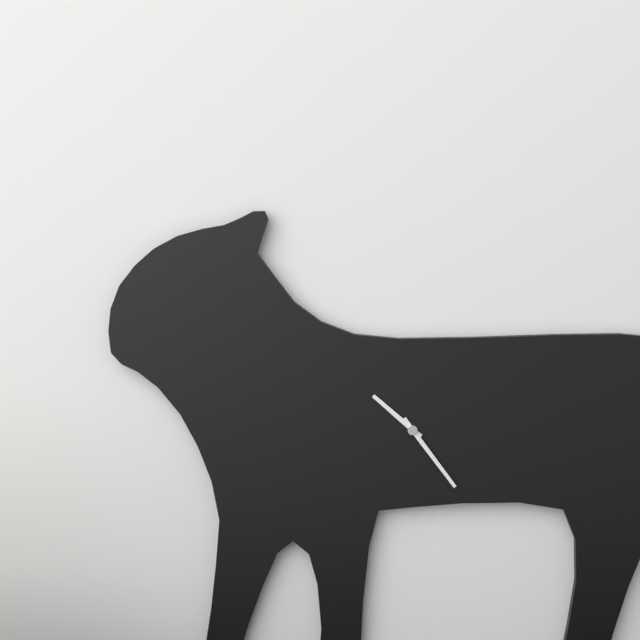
10:24
